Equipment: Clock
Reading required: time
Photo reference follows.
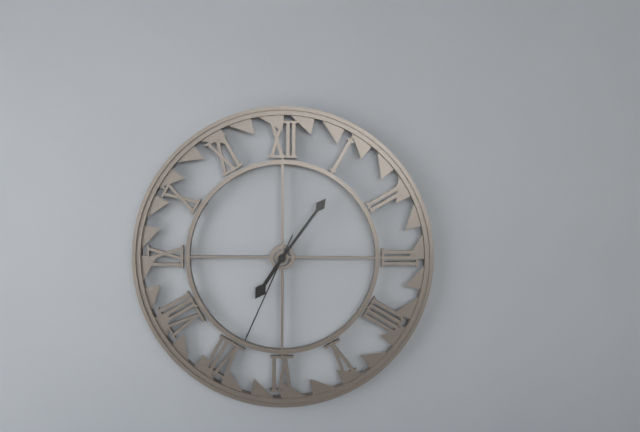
7:06:34
